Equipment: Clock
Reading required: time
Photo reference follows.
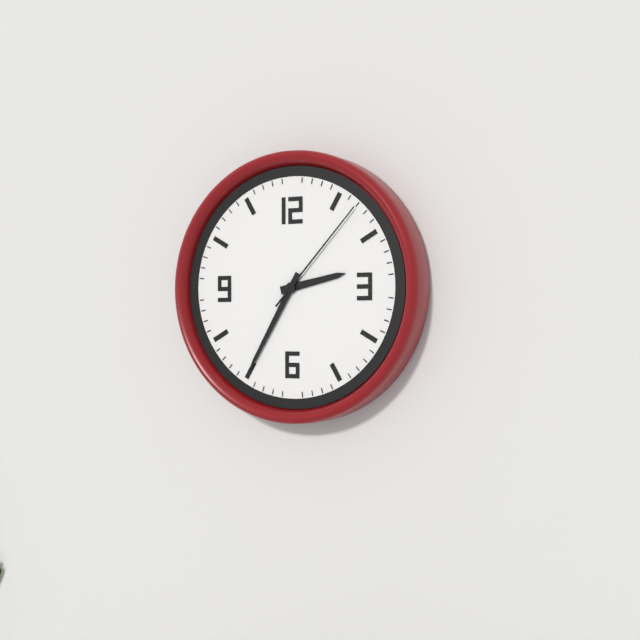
2:35:07
